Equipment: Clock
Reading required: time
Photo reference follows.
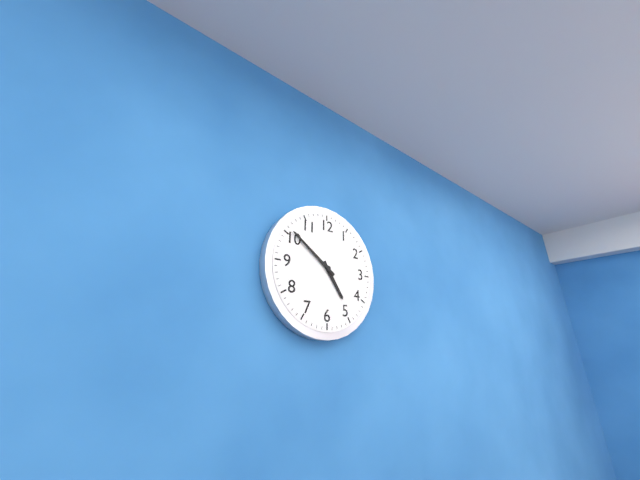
4:51
